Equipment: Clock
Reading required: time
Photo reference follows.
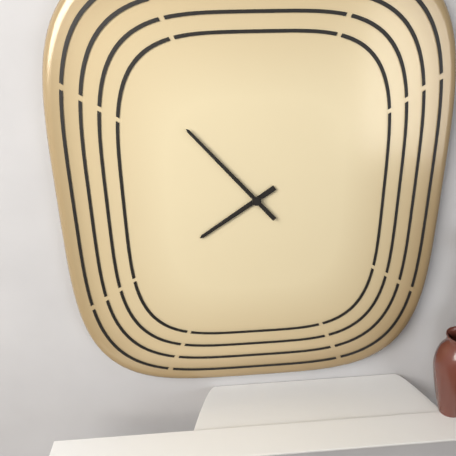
7:53
